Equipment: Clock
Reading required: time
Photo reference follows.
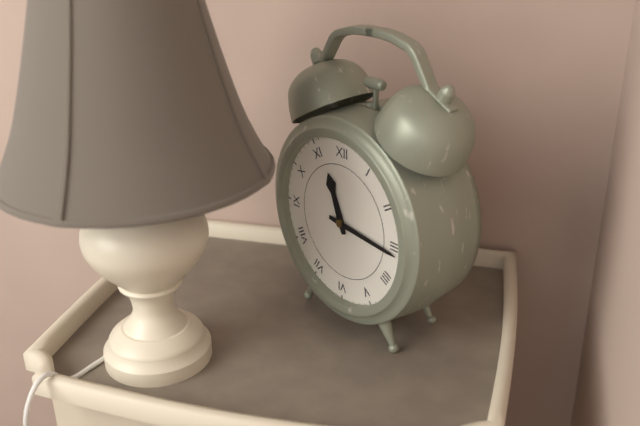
11:16
